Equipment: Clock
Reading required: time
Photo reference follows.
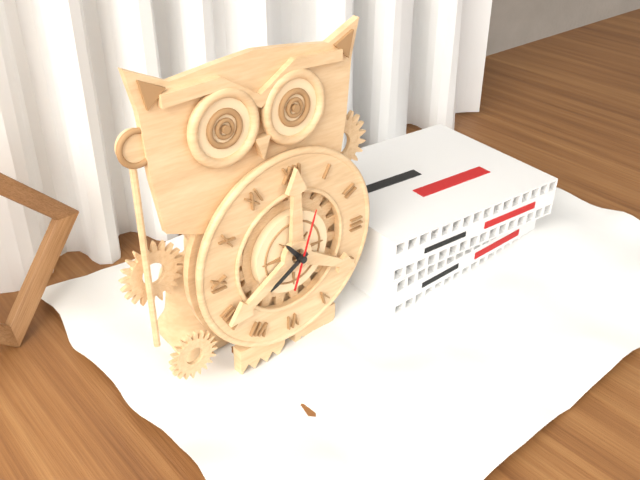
10:40:03
